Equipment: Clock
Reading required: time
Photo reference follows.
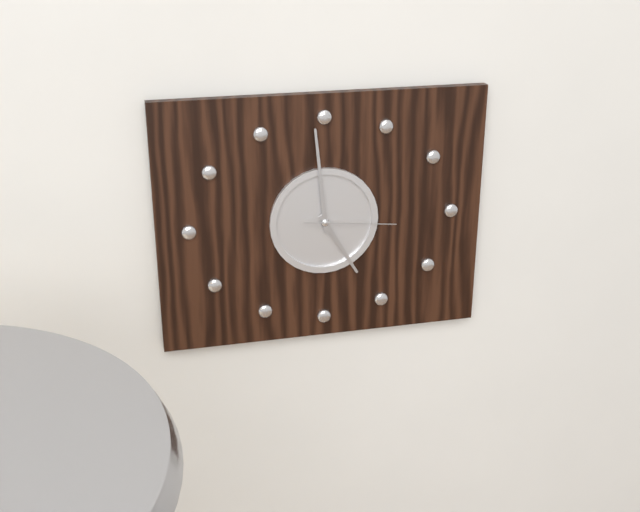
4:59:16
